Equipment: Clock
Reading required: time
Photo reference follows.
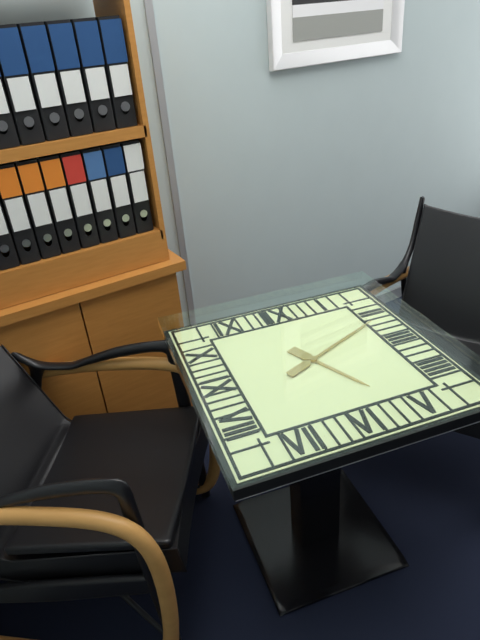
5:11
